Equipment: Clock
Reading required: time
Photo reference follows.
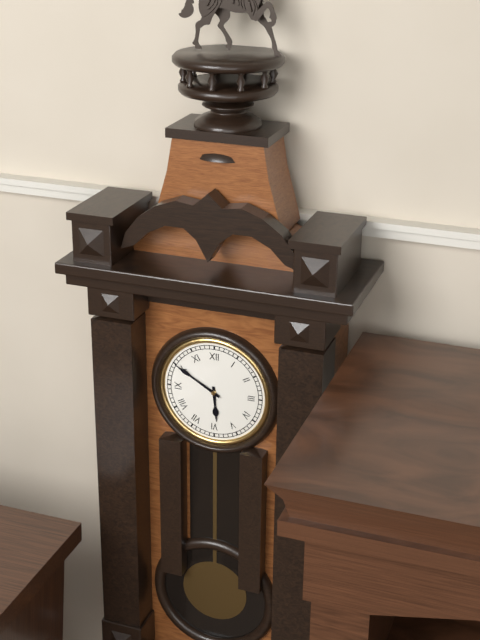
5:50
